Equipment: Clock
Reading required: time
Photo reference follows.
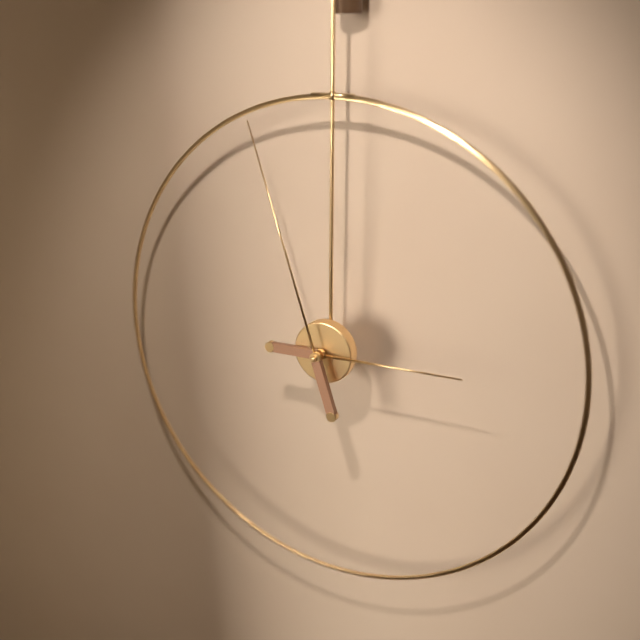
2:57
